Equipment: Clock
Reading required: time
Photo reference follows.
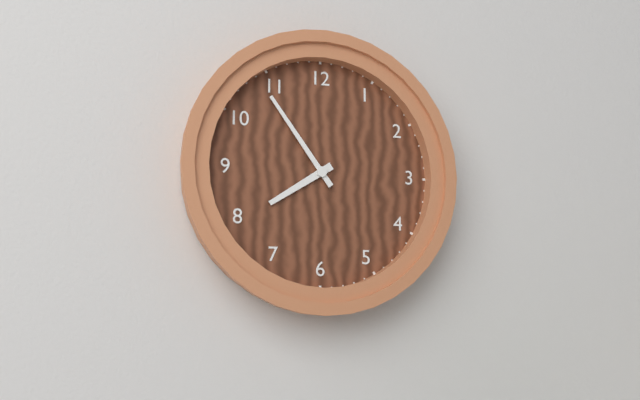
7:54
